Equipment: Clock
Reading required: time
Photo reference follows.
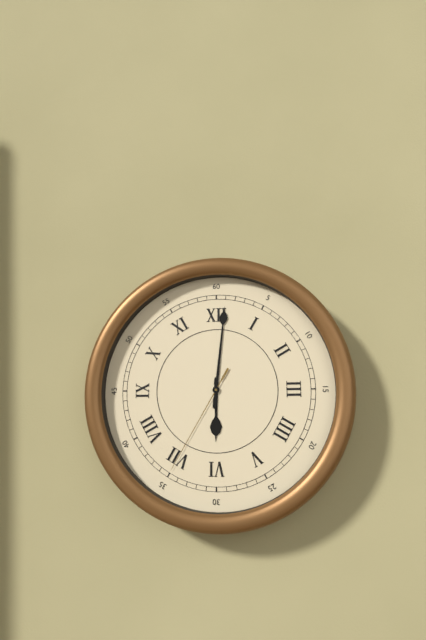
6:01:35
